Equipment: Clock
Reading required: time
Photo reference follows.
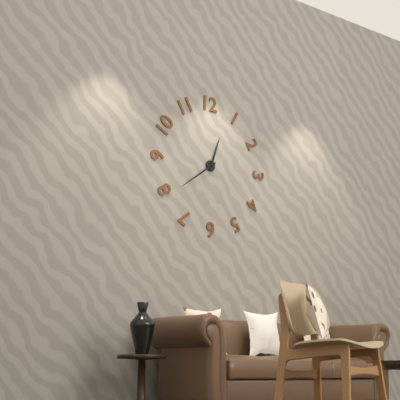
12:39
